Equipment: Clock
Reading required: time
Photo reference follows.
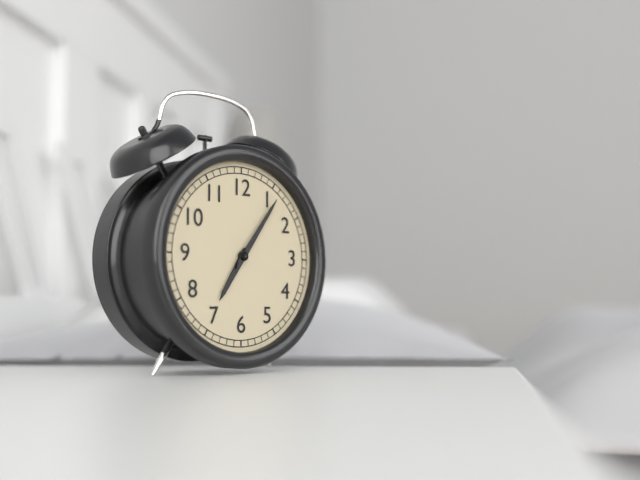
7:06
